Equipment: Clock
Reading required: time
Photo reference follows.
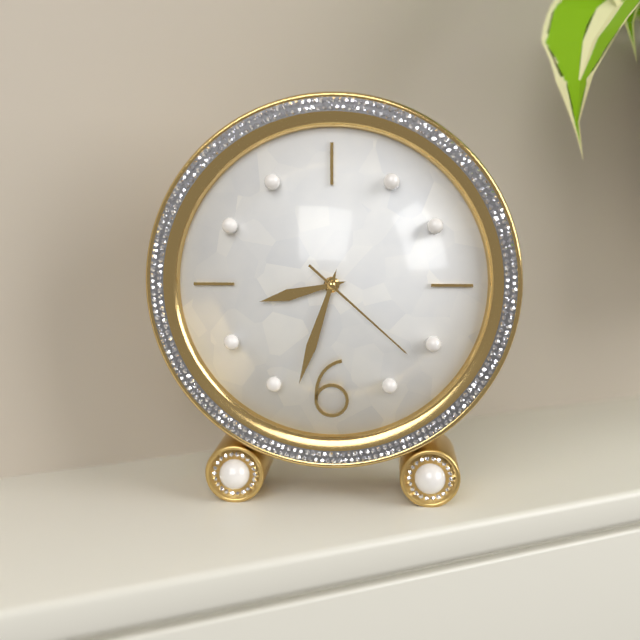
8:33:22
